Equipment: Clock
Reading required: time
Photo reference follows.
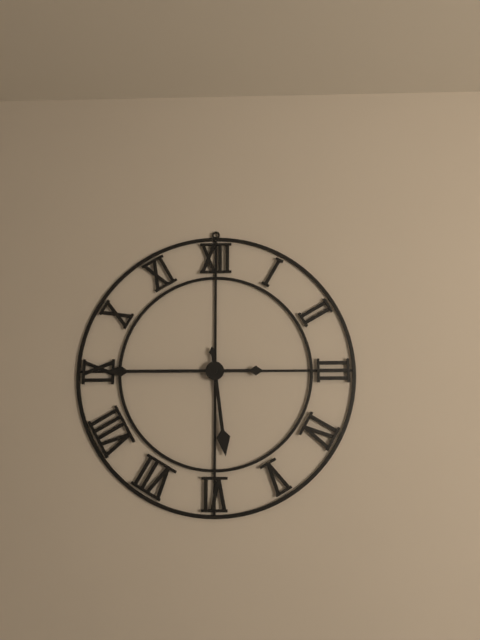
5:45
